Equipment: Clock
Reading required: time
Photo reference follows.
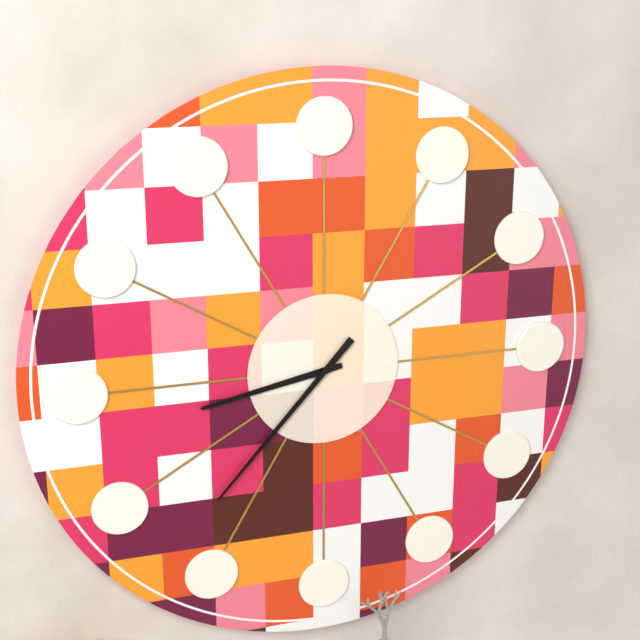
8:37
